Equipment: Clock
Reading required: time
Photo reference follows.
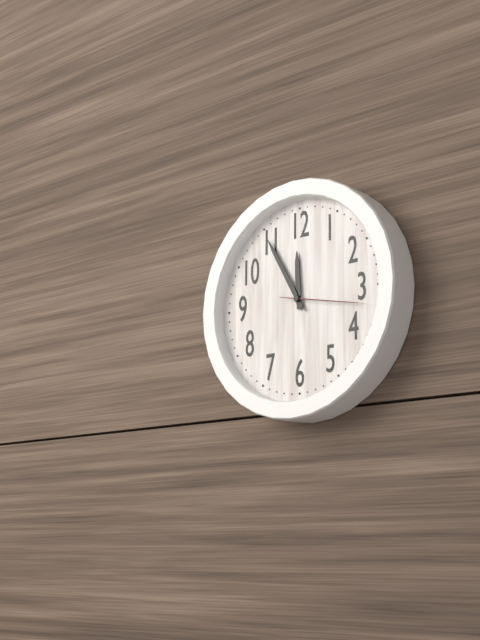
11:55:17
